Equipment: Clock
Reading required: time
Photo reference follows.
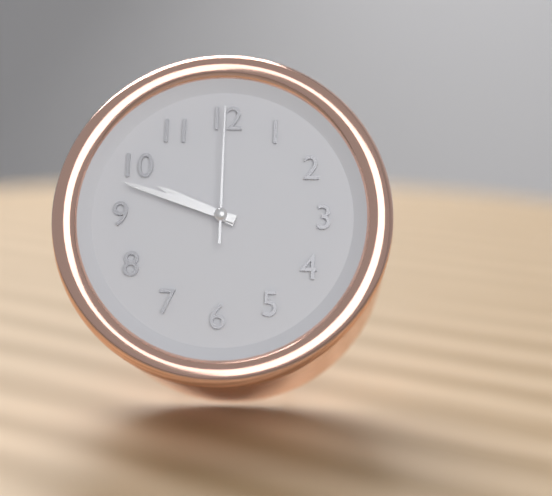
9:48:00
